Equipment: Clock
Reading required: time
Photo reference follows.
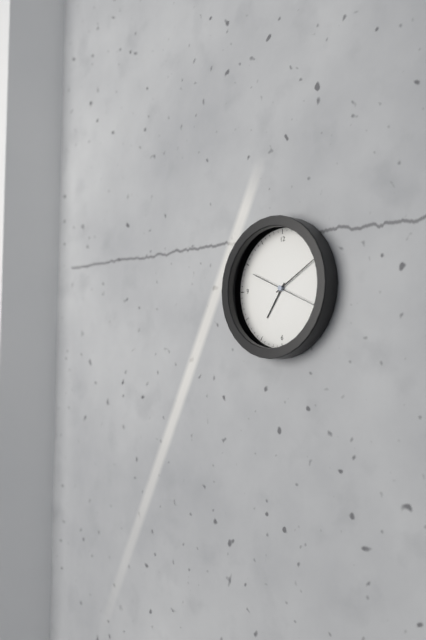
7:10:19
